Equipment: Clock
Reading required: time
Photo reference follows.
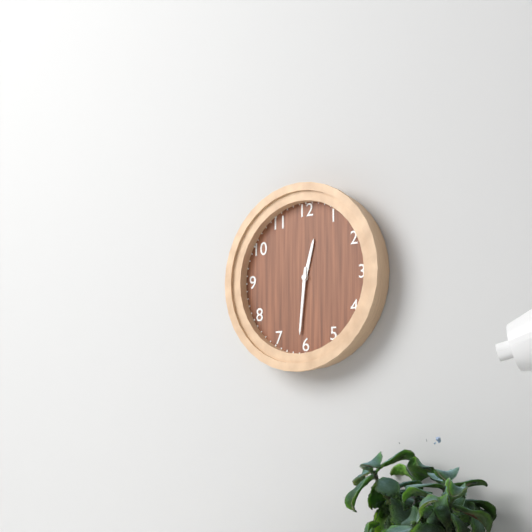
12:31
